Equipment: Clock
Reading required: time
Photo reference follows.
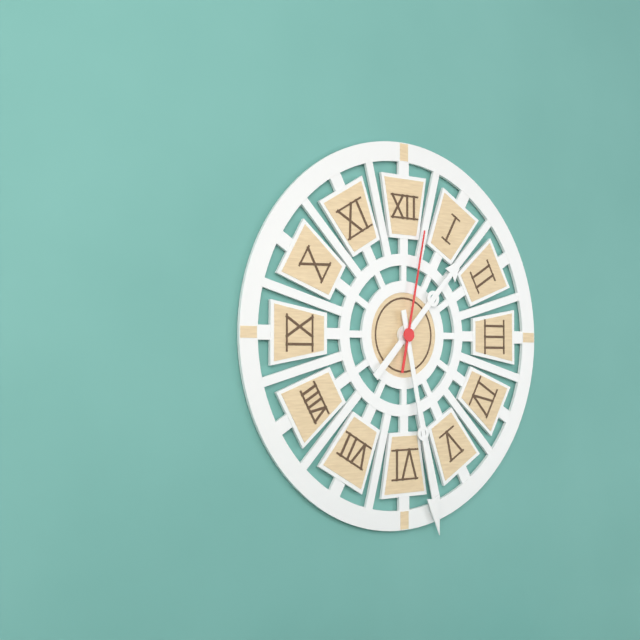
1:28:02
